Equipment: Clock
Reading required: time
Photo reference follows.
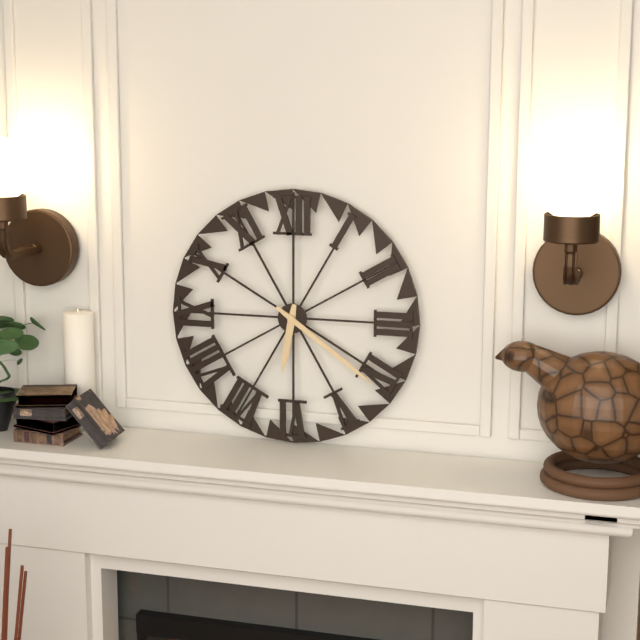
6:21
